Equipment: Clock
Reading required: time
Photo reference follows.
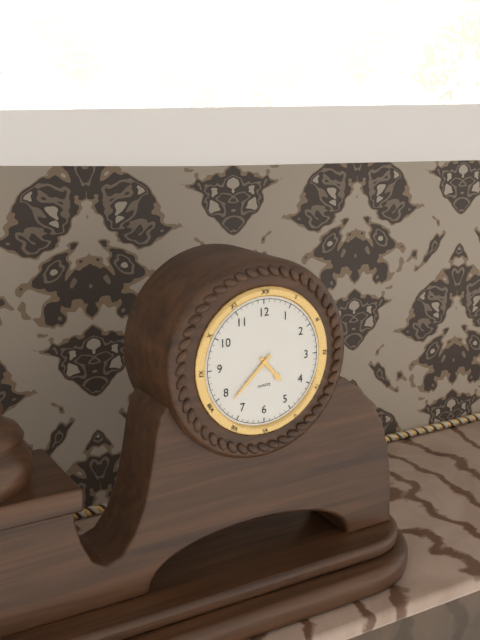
4:38
